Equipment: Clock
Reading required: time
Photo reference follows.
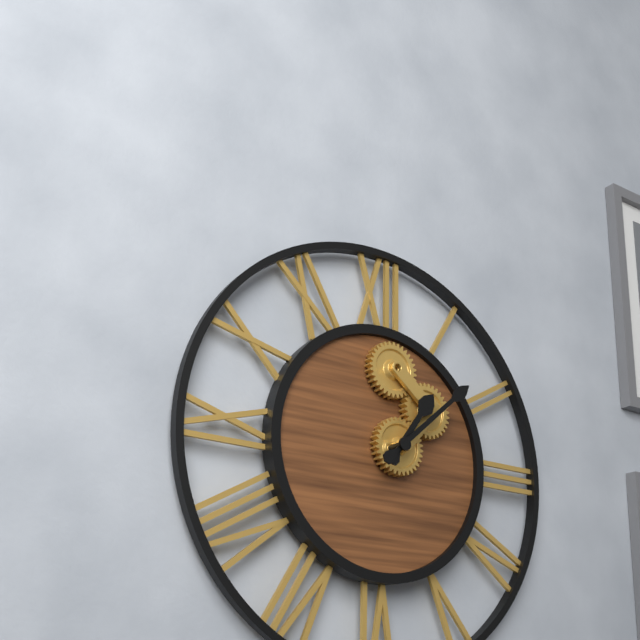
1:08
